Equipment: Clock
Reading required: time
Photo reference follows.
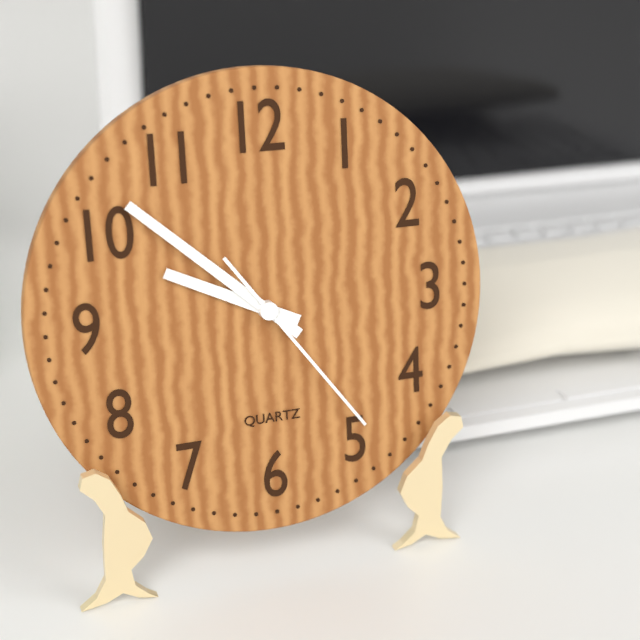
9:52:24
